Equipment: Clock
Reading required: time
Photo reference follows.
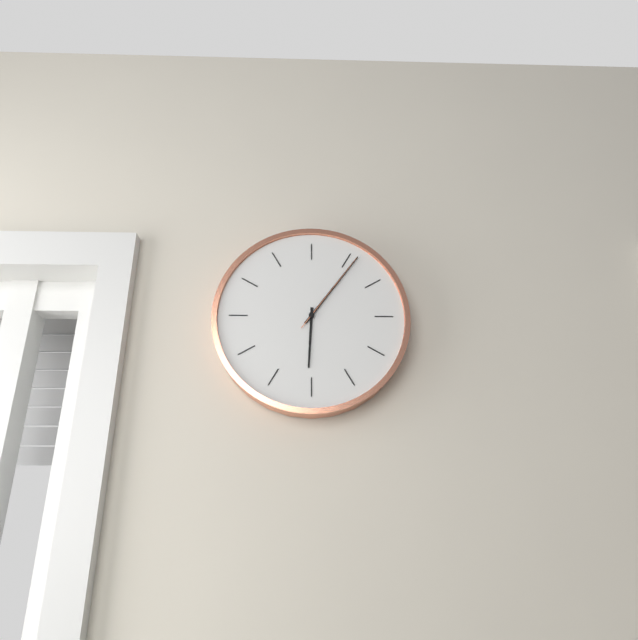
6:06:06
